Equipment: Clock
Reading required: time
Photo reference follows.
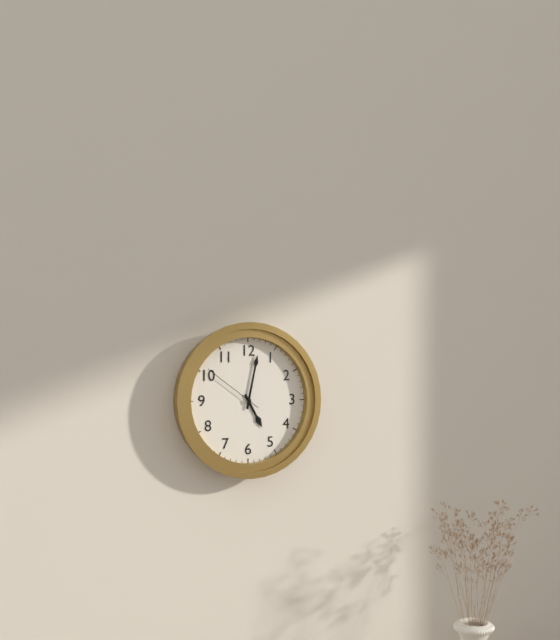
5:02:51
